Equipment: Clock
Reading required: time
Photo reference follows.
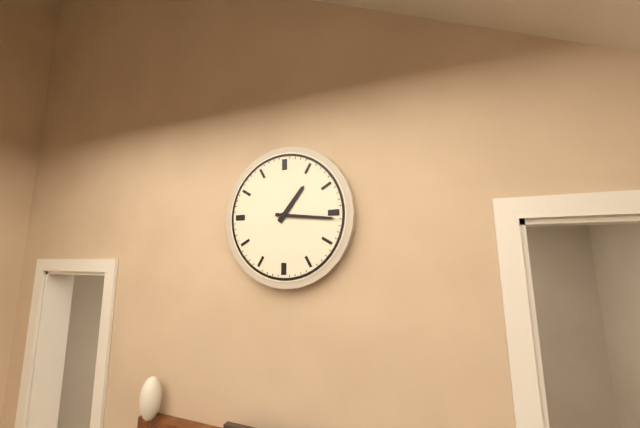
1:16
